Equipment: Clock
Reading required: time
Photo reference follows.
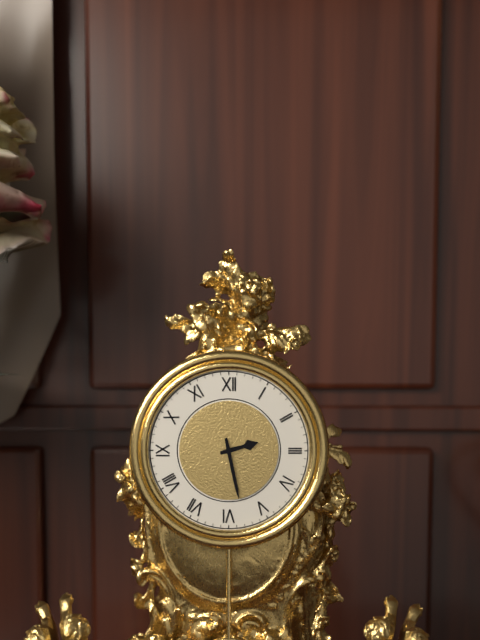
2:28
